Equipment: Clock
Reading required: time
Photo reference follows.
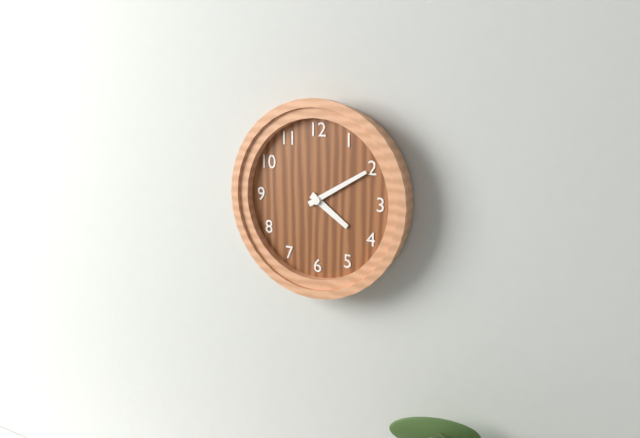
4:10
